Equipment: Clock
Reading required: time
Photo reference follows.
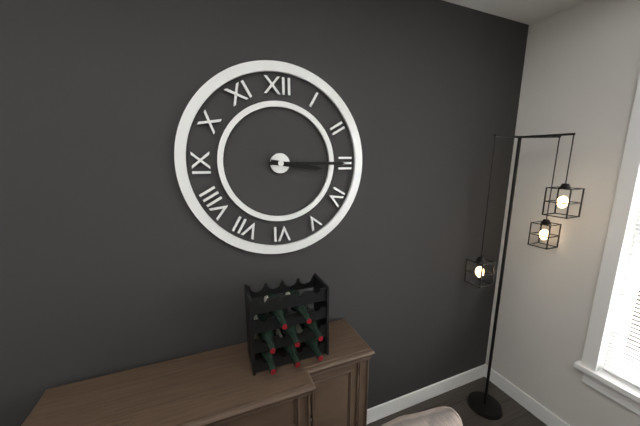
3:15
